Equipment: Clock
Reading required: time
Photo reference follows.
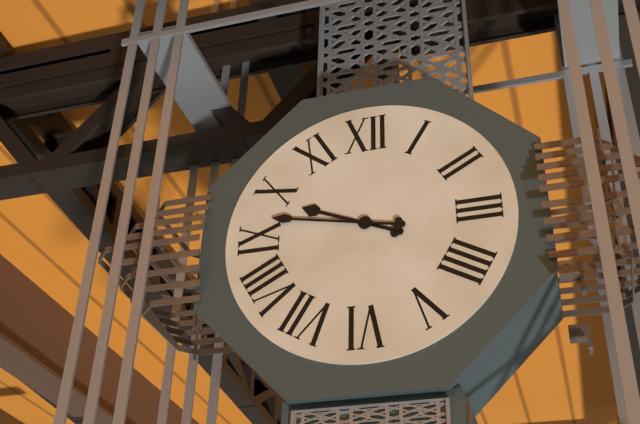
9:47
